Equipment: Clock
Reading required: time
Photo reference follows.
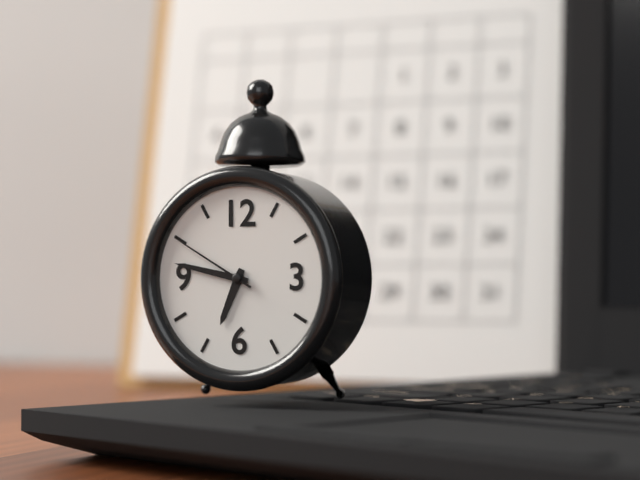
6:47:50
